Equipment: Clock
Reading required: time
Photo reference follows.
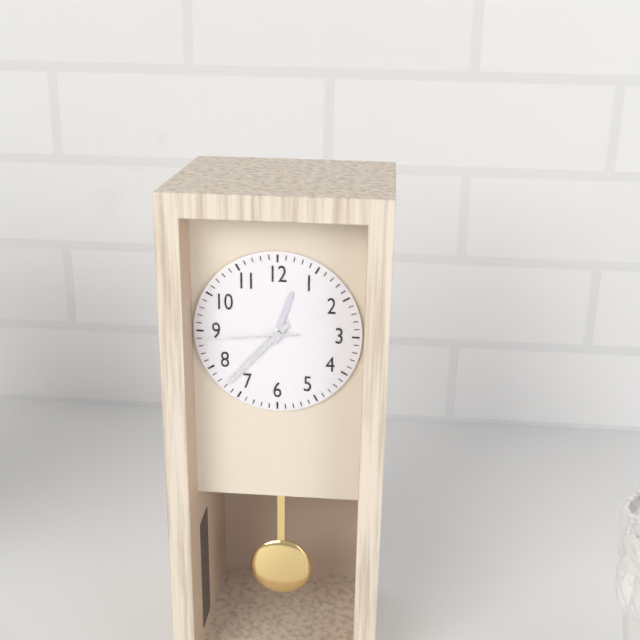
12:37:44
